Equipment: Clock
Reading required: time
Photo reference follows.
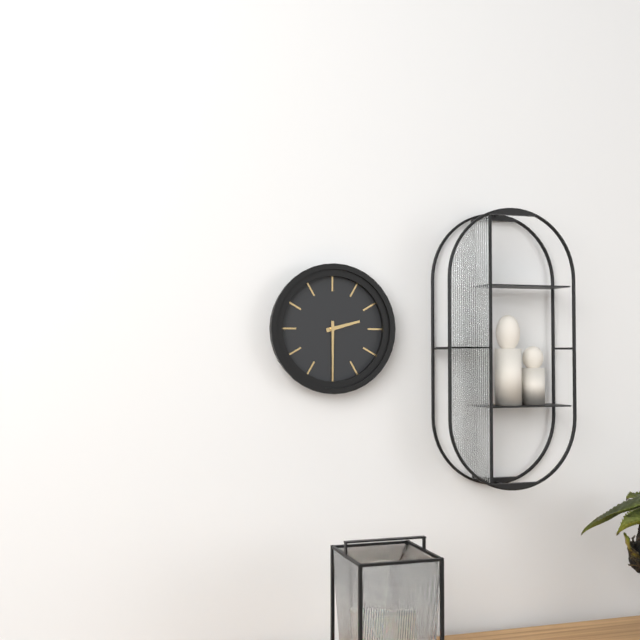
2:30
